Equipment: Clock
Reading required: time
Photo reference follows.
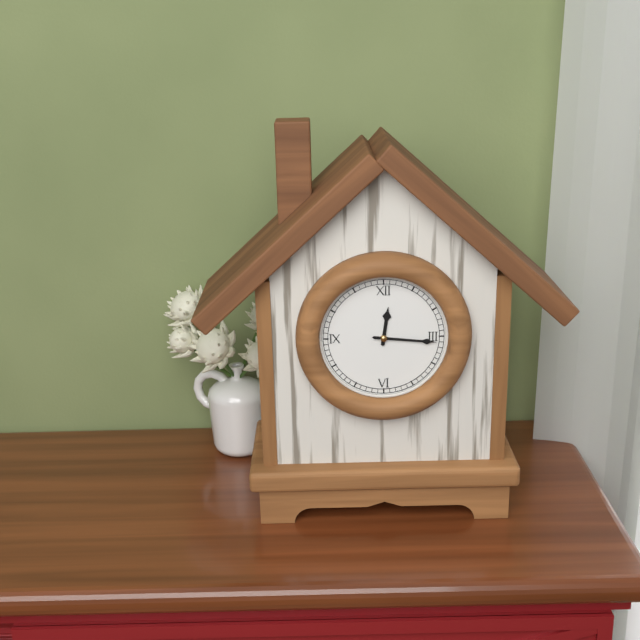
12:16
